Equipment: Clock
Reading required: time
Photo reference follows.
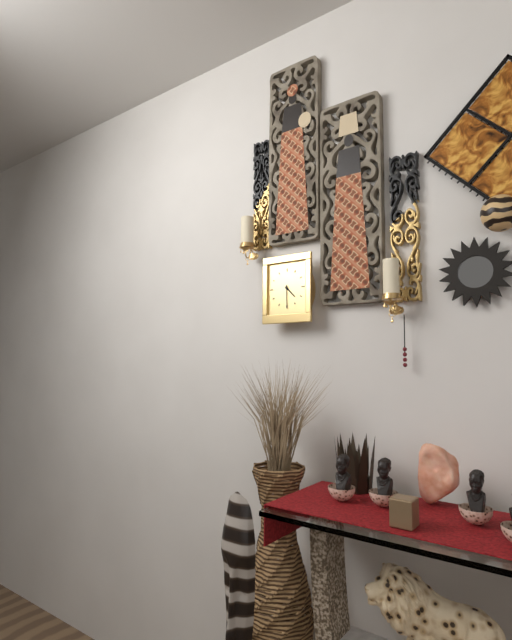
4:30
